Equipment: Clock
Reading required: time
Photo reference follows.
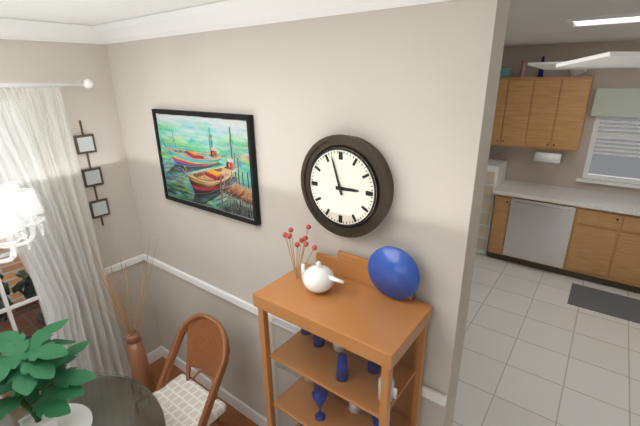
2:57
